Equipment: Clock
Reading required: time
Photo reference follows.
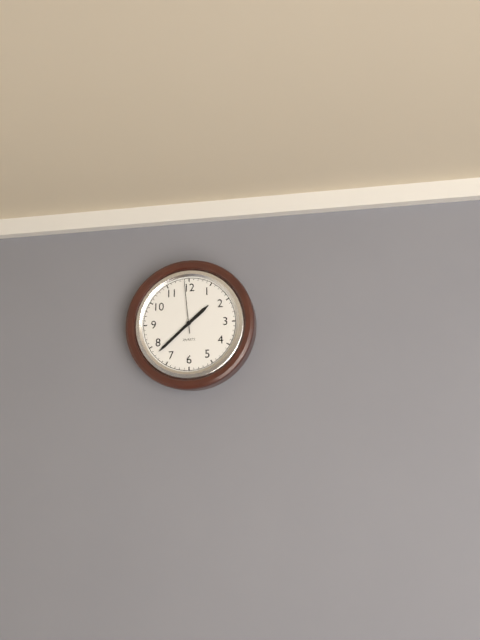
1:38:59
